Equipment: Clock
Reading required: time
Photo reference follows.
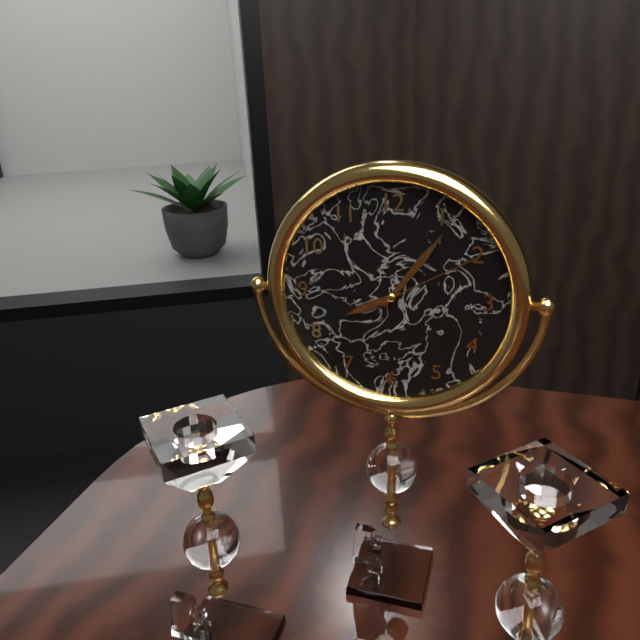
8:06:10
